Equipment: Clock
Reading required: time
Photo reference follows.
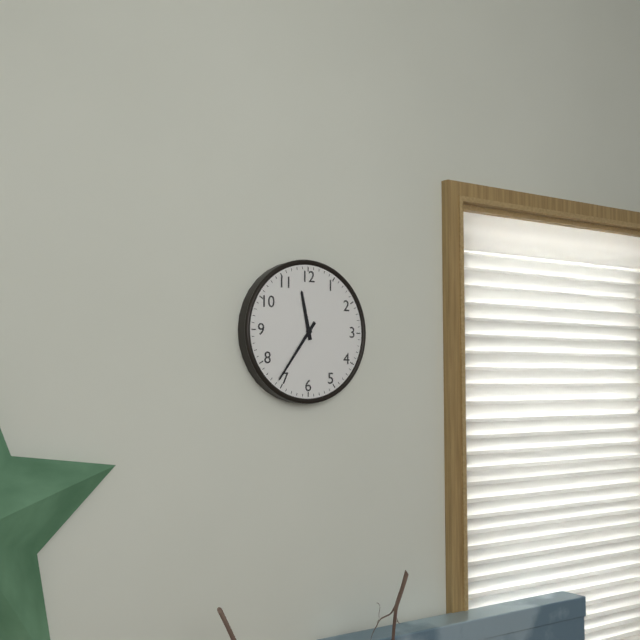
11:36
